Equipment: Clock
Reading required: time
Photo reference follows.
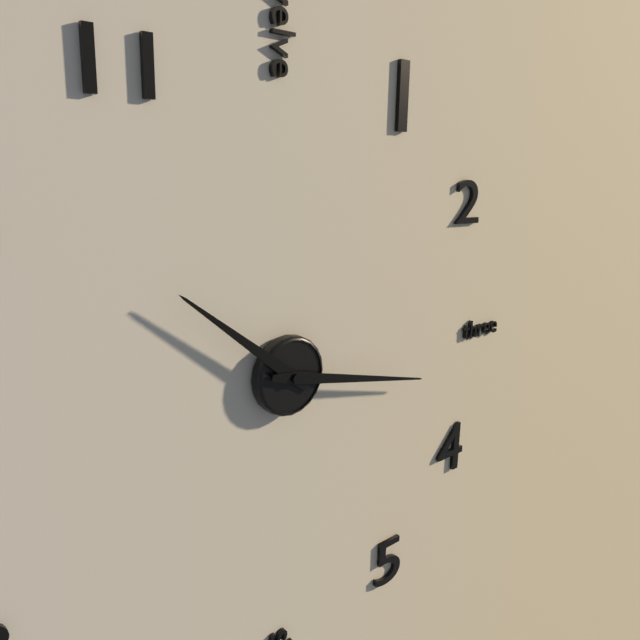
10:17
